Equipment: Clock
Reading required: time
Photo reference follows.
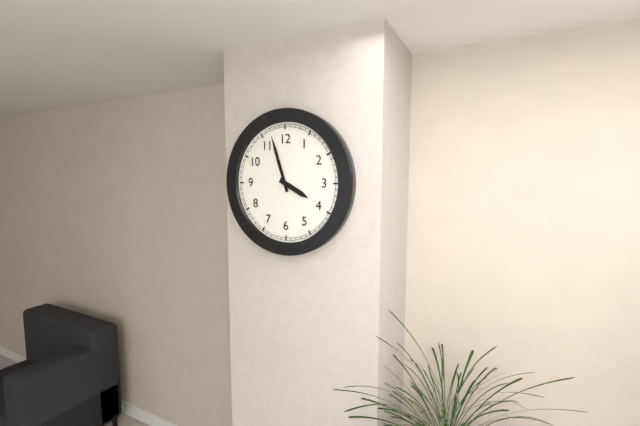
3:57
